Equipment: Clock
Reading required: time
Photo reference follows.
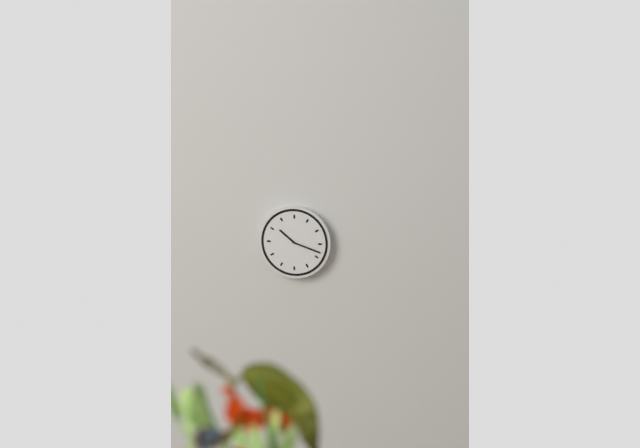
10:18
